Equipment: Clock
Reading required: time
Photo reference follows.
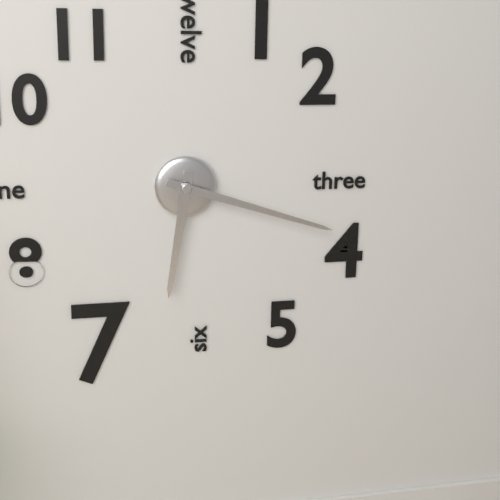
6:18
